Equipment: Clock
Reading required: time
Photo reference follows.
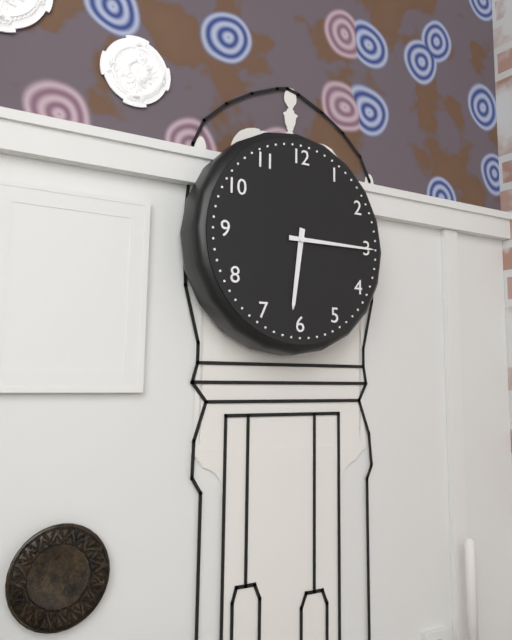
6:15
